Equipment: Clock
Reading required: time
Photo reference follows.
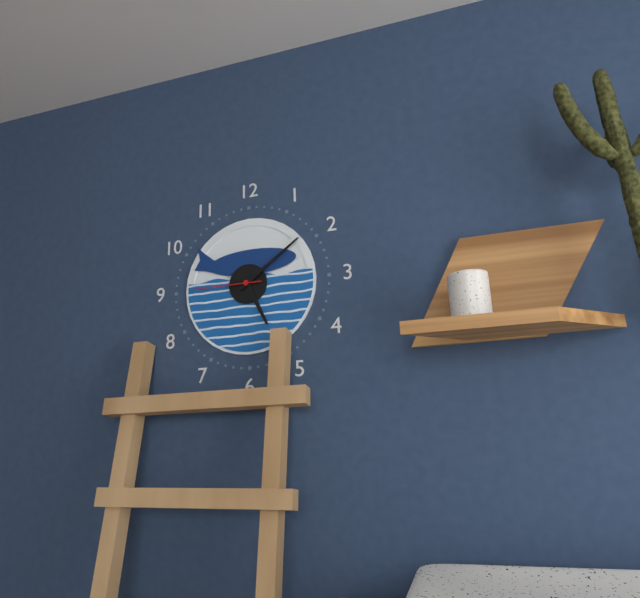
5:09:45
